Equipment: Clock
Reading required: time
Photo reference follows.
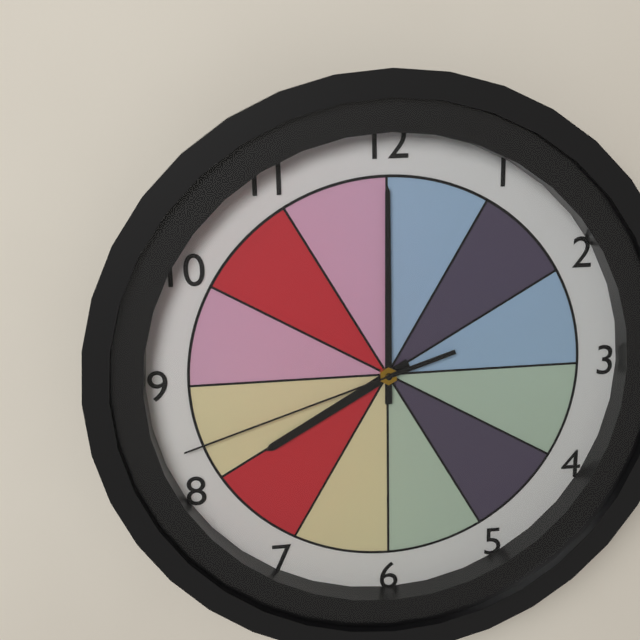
8:00:42
